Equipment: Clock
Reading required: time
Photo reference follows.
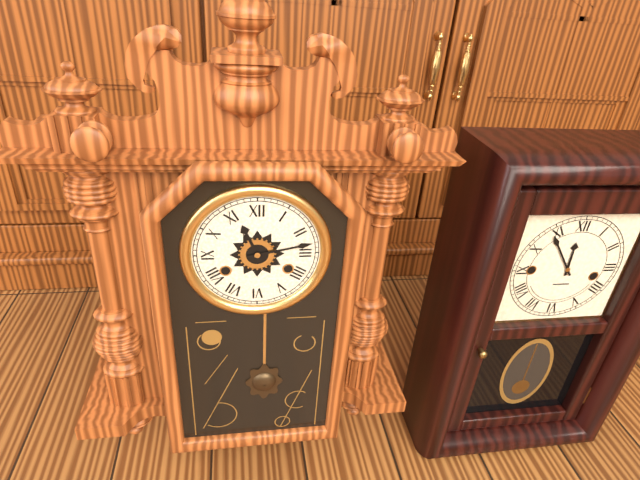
11:13
